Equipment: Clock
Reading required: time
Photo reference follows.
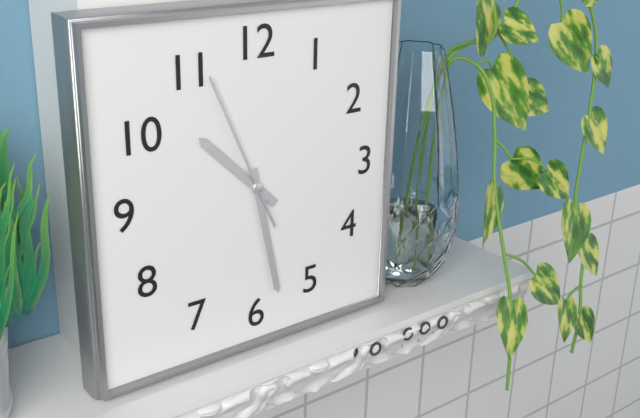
10:28:56
